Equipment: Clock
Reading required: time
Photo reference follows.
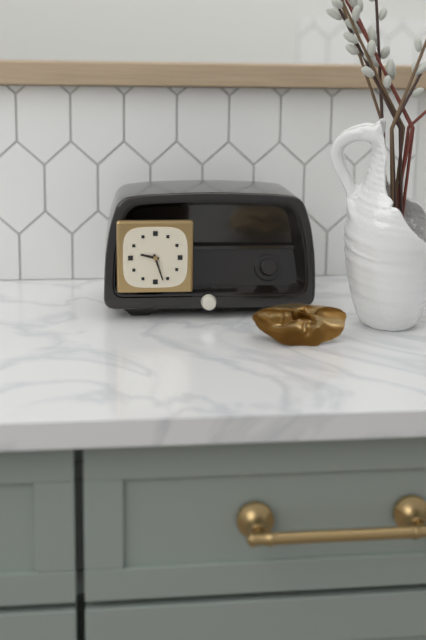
9:27
